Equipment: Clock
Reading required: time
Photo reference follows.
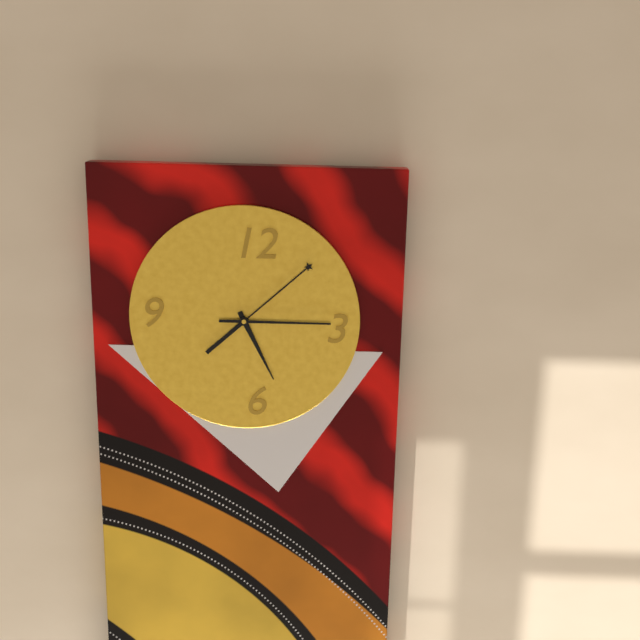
5:08:15
